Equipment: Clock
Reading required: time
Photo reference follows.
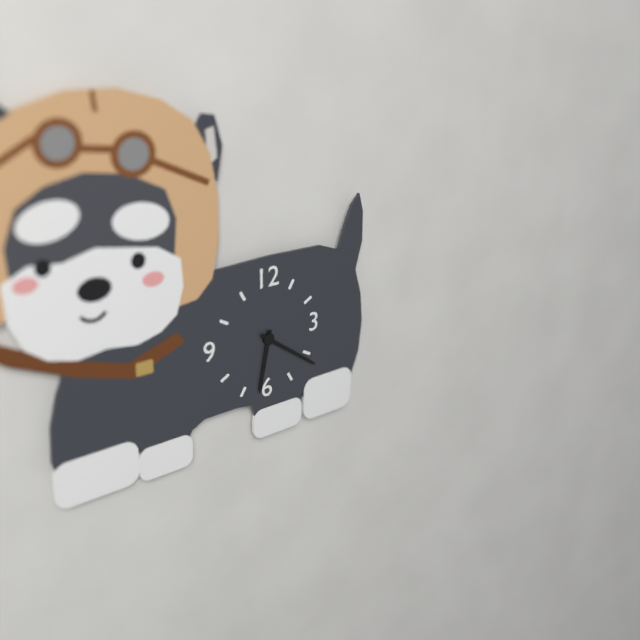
6:21
